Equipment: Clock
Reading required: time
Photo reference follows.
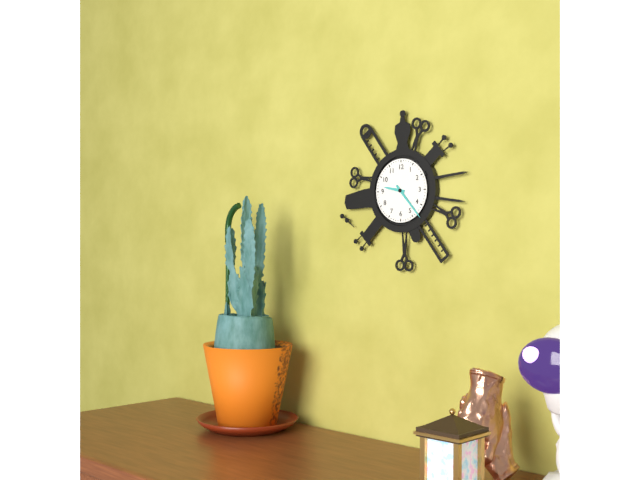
9:23
